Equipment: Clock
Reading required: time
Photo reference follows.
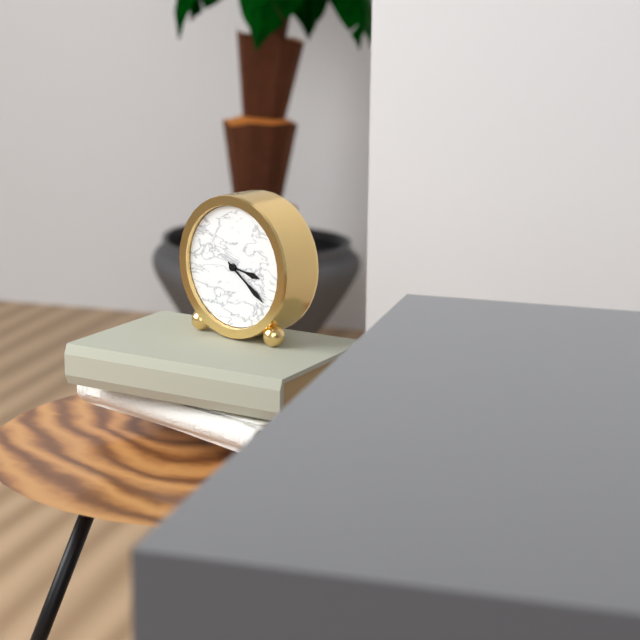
3:21
